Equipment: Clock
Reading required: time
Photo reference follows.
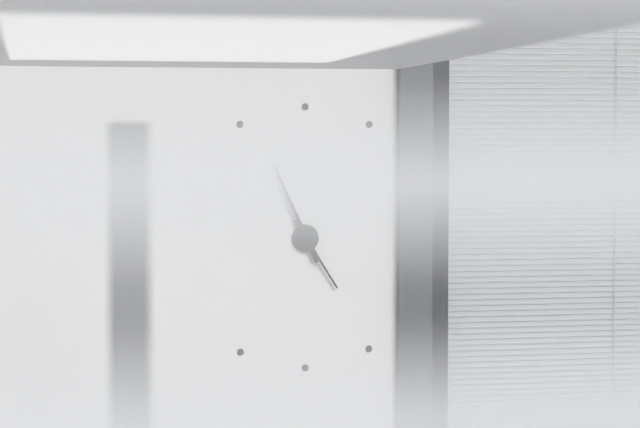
4:56
